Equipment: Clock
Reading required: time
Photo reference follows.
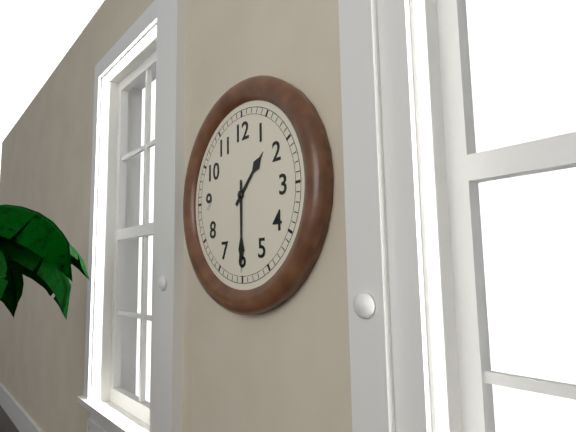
1:30
